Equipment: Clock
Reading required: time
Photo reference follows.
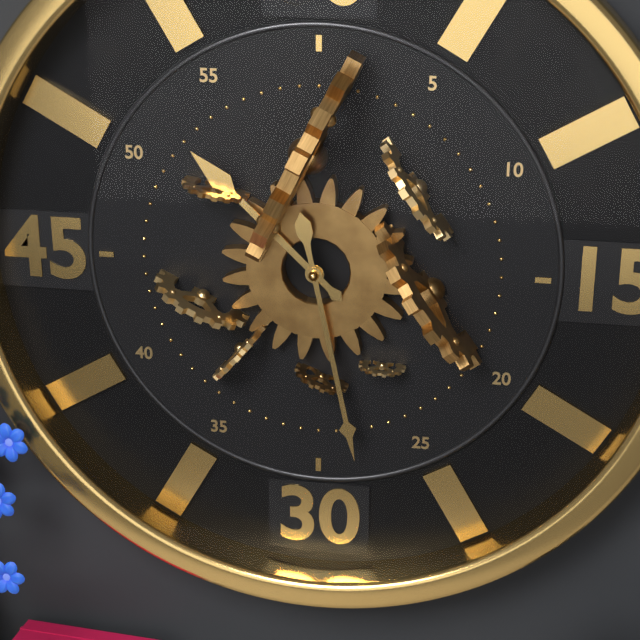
10:28
